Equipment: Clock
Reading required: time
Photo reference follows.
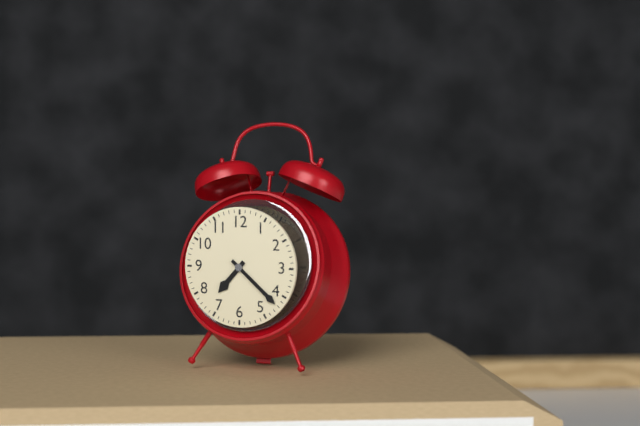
7:22
